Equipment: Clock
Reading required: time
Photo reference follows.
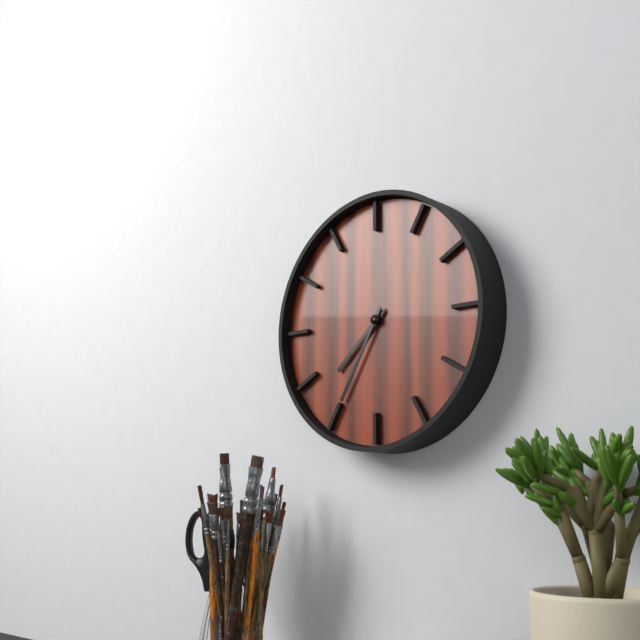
7:35
